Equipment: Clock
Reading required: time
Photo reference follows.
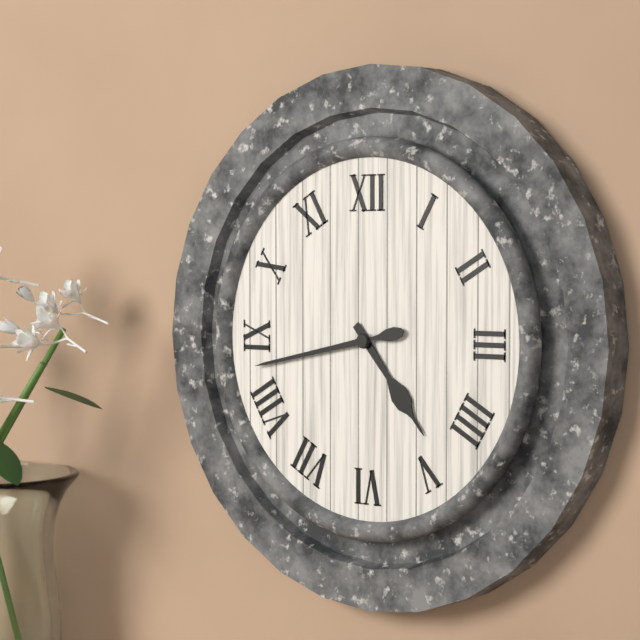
4:43
